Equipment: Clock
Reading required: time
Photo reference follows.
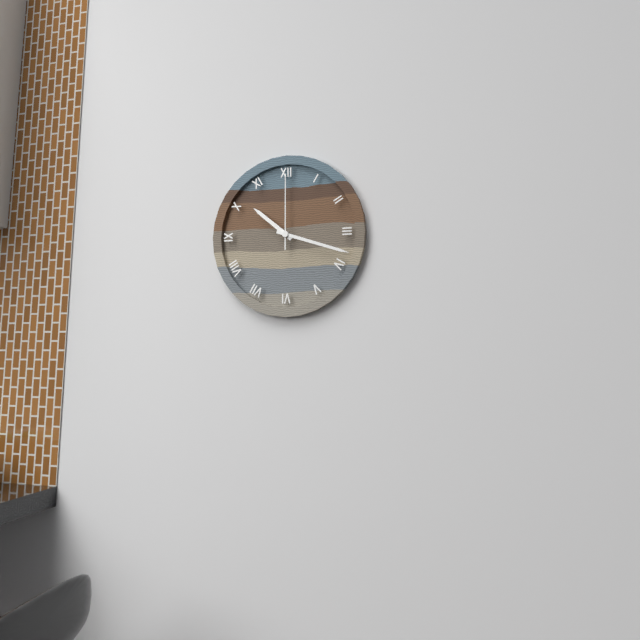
10:18:00
